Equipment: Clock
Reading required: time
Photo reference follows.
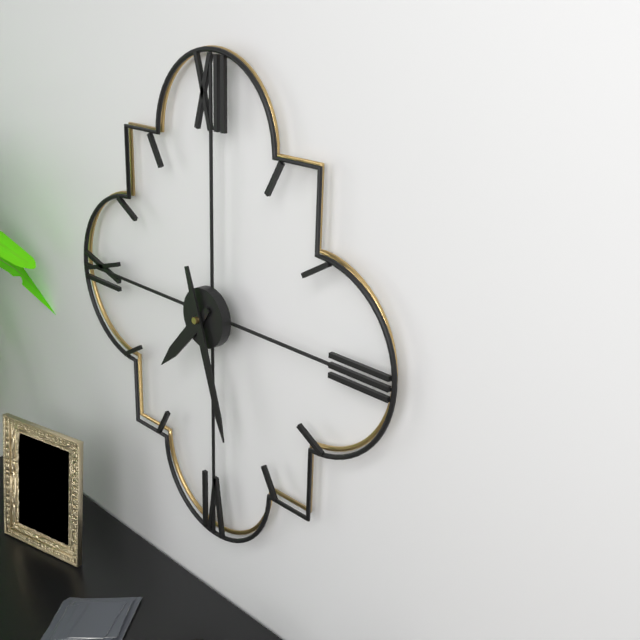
7:27
